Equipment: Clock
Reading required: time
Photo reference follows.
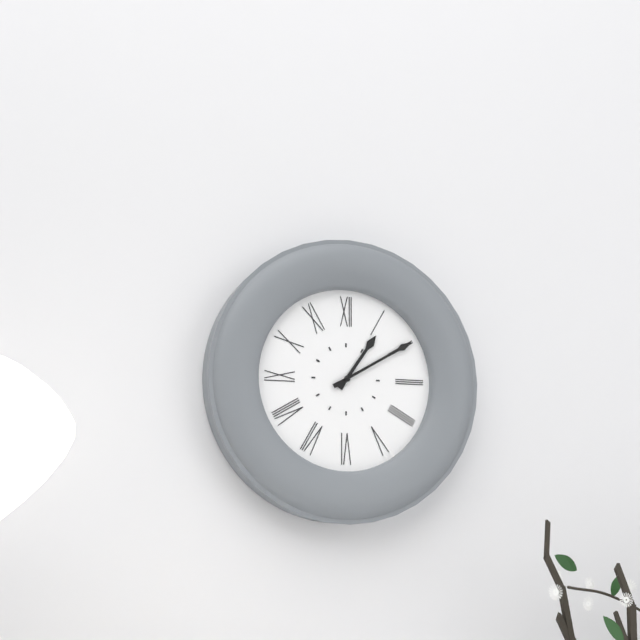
1:10
